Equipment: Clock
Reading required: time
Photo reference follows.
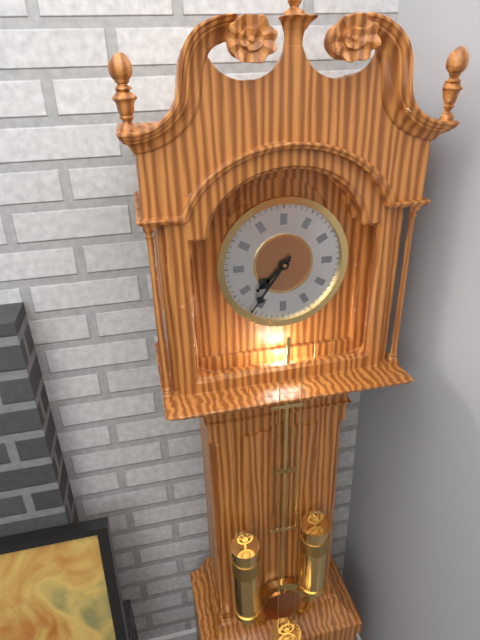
7:36
